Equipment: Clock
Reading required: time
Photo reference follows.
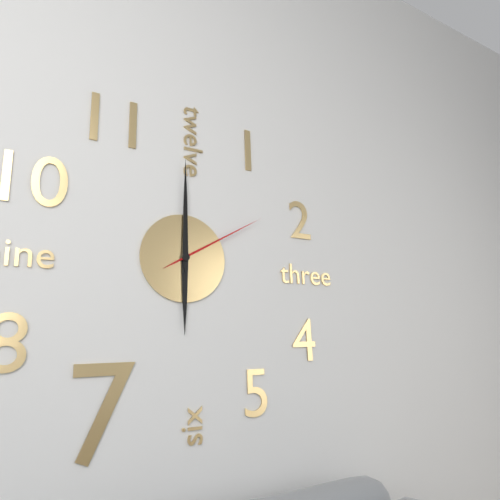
6:00:10
